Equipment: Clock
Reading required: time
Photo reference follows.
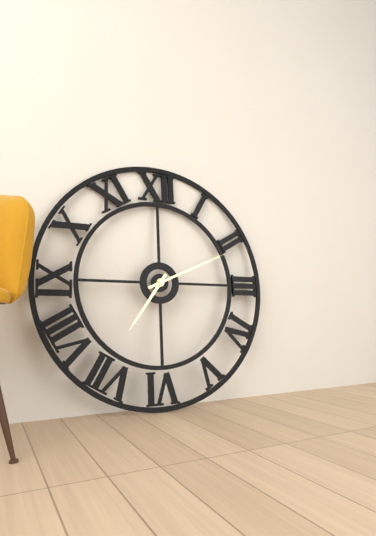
7:11
